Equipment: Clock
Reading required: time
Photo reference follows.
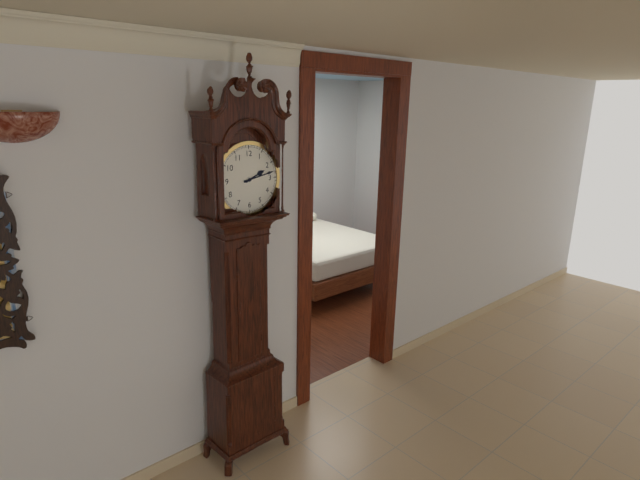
2:13
